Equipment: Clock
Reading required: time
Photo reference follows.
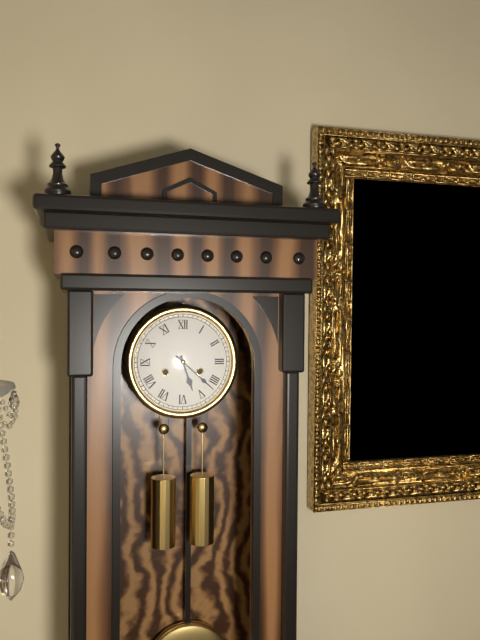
5:22
